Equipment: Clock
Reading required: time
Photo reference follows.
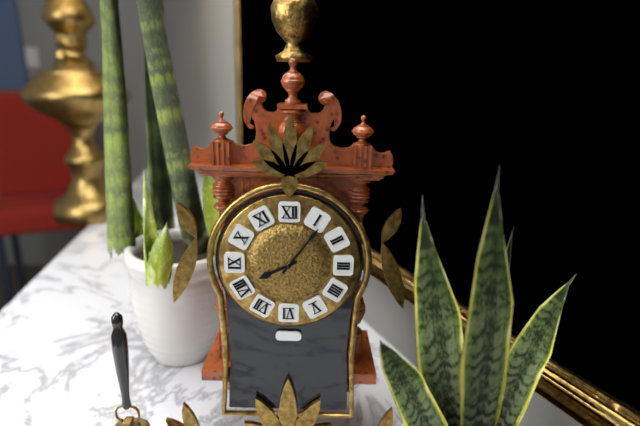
8:06
